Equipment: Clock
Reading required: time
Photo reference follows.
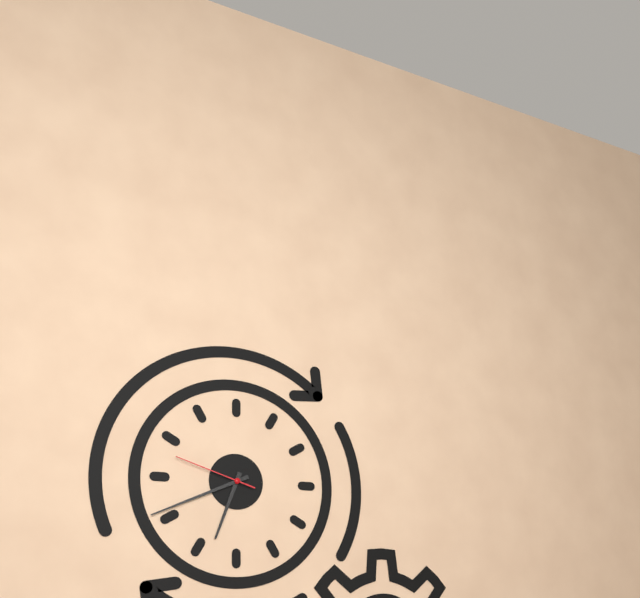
6:41:48
